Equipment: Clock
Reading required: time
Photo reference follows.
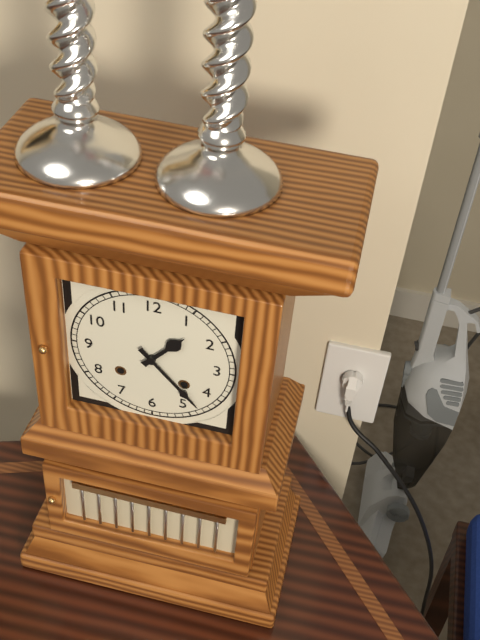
1:23
